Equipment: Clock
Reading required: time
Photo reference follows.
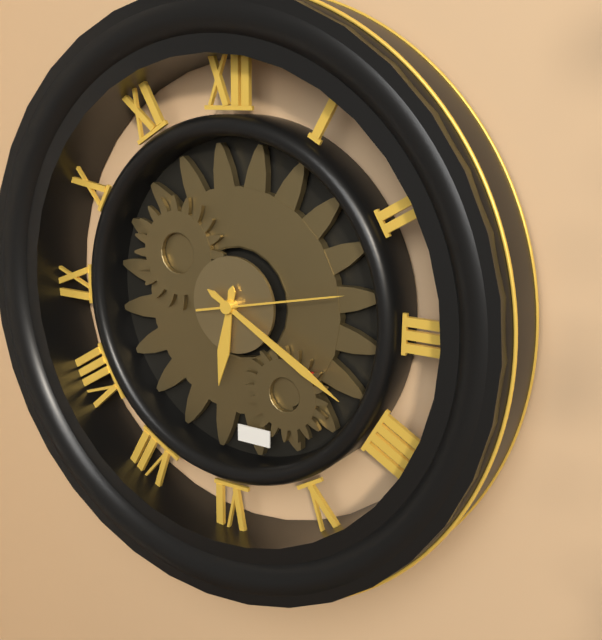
6:20:13
